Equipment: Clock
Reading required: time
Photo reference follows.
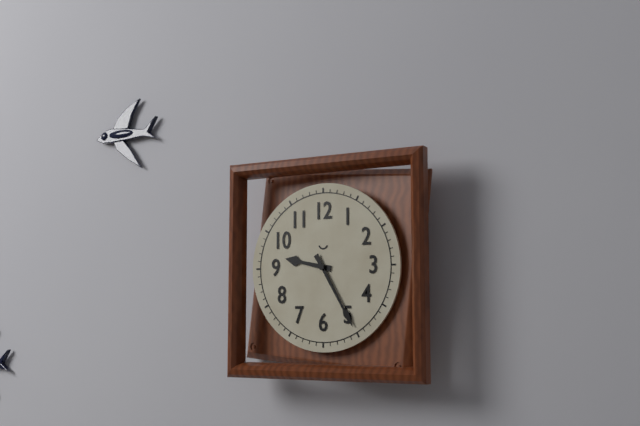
9:25
